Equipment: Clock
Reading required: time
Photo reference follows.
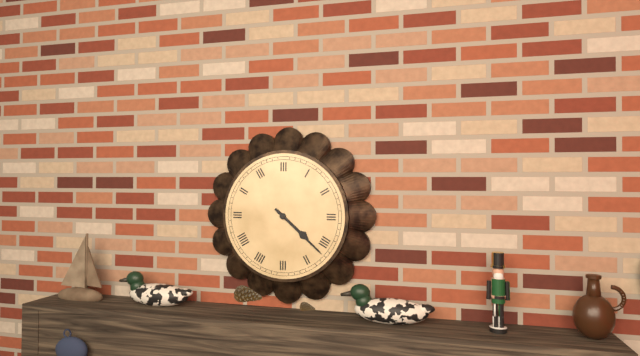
4:22
